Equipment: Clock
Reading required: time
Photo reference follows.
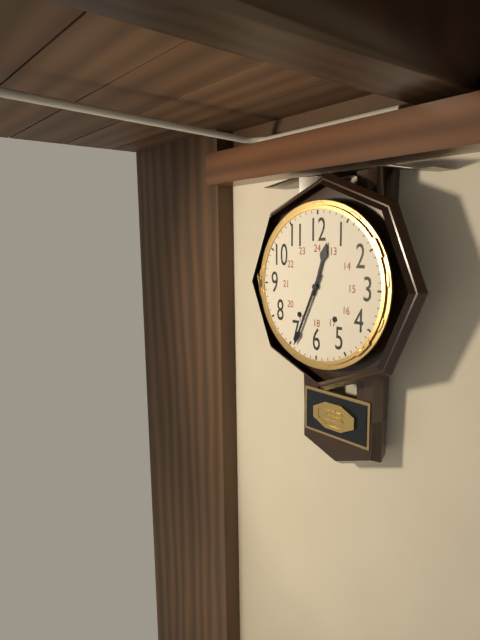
12:34
